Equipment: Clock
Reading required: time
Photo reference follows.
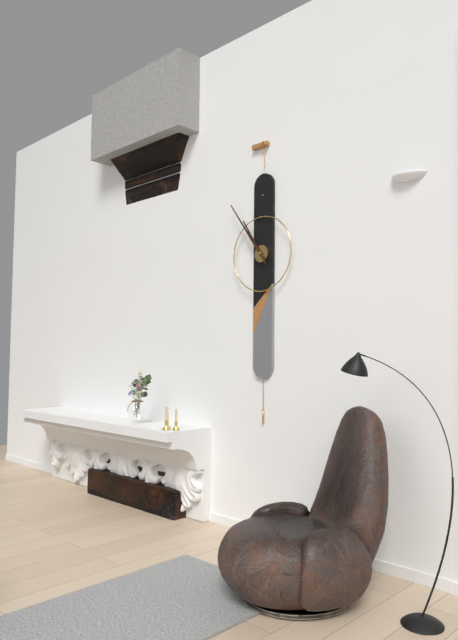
10:54
